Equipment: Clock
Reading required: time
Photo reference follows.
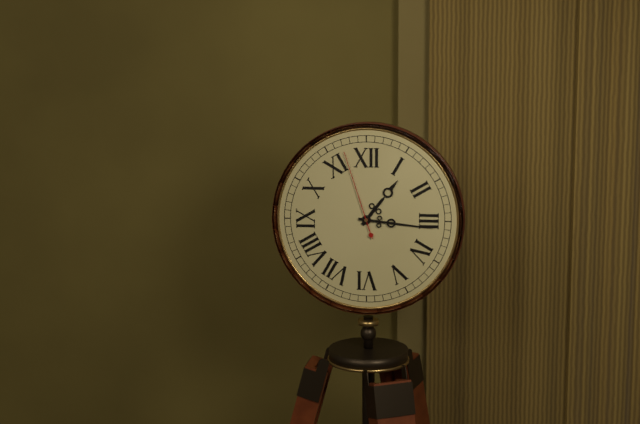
1:16:57
